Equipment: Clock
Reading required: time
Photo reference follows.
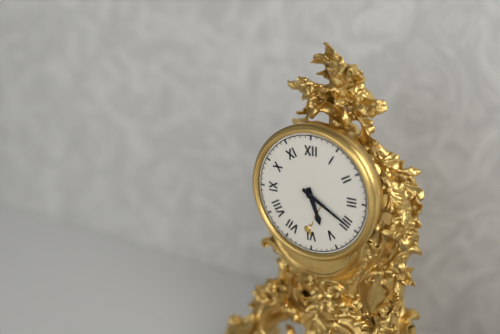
5:20
